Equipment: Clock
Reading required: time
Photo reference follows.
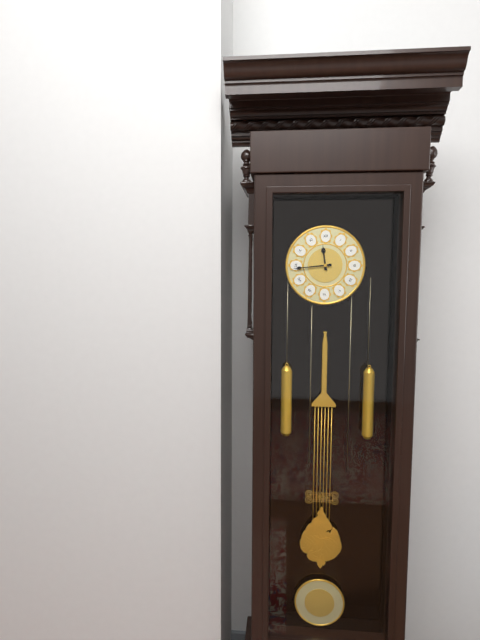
11:44
